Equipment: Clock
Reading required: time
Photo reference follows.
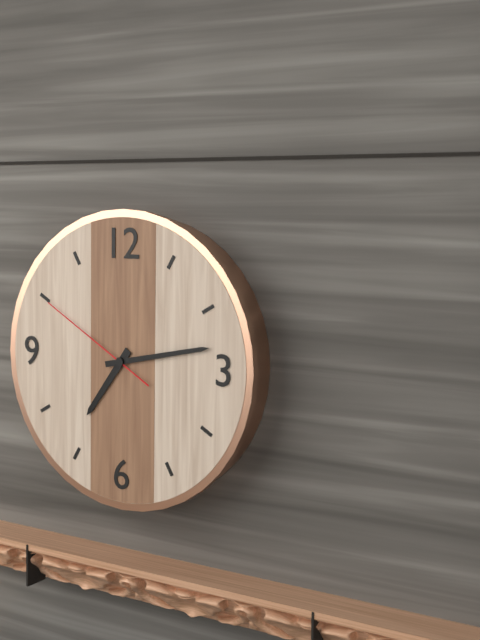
7:13:50
